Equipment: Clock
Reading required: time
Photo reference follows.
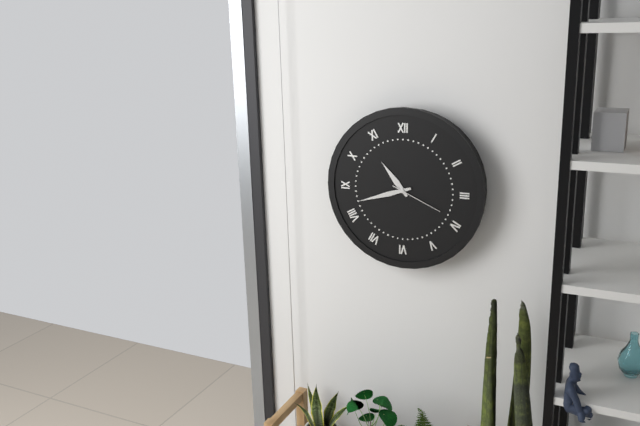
10:42:19
